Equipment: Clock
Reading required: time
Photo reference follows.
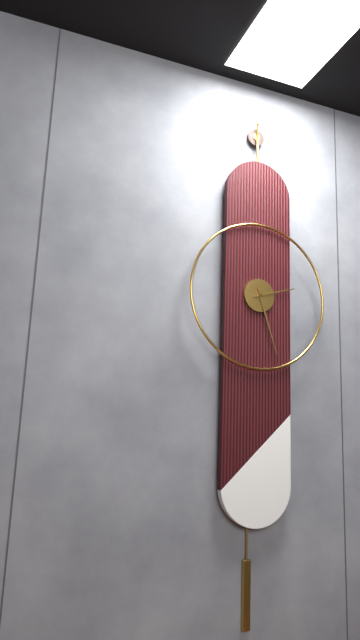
2:27
